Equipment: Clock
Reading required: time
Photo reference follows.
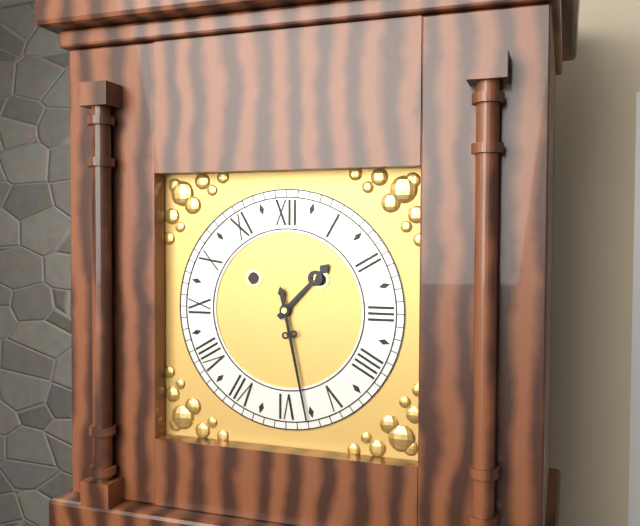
1:28
